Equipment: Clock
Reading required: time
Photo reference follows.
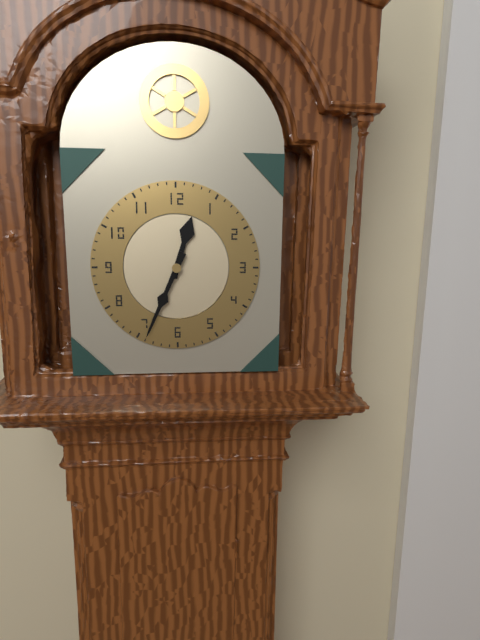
12:34
